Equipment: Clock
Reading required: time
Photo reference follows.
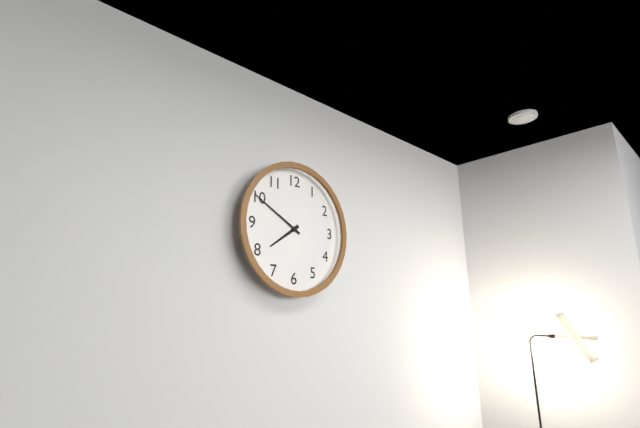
7:50
